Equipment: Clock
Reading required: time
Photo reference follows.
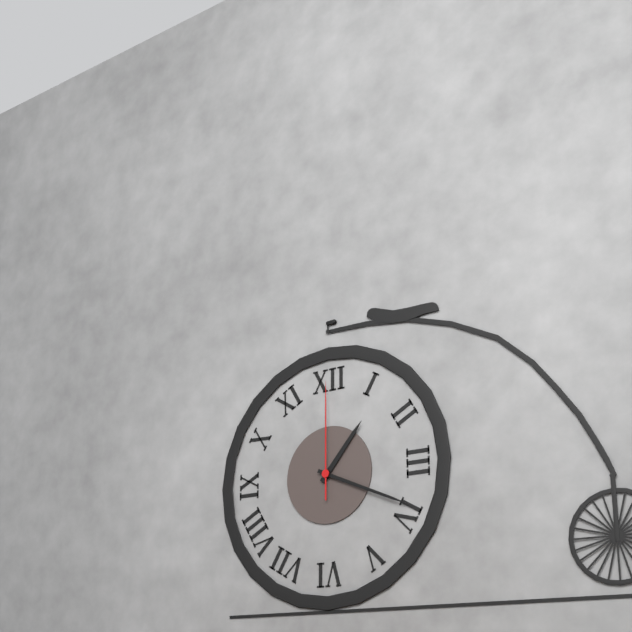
1:19:00
